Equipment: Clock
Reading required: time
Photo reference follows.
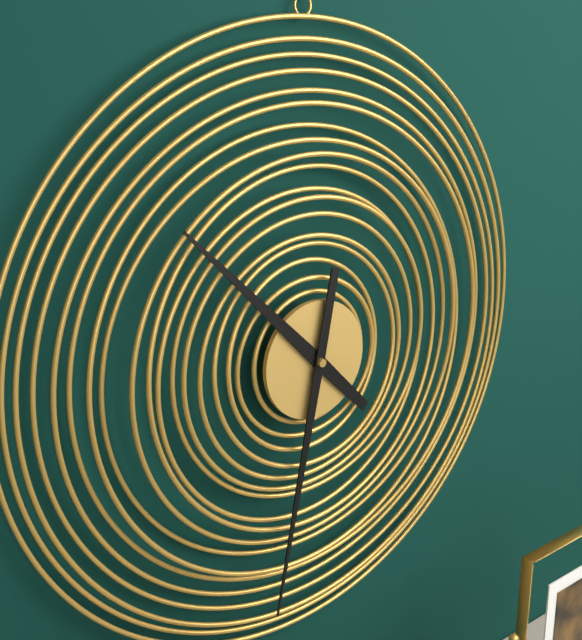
10:32
